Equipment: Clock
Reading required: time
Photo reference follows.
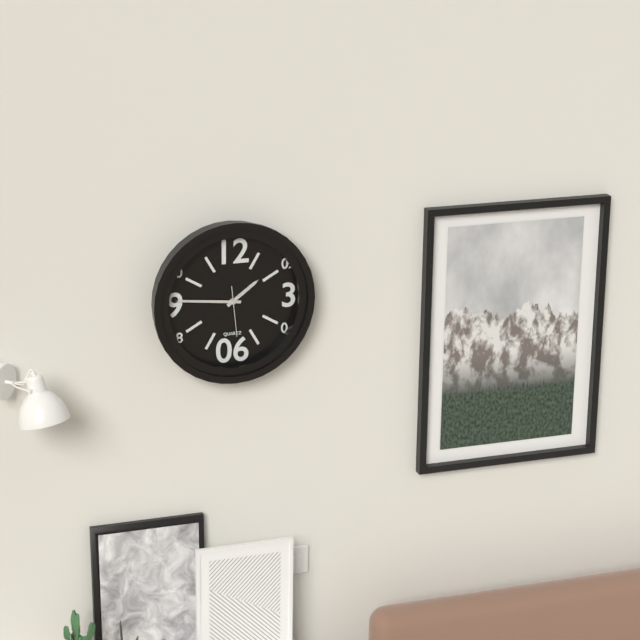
1:46:29
